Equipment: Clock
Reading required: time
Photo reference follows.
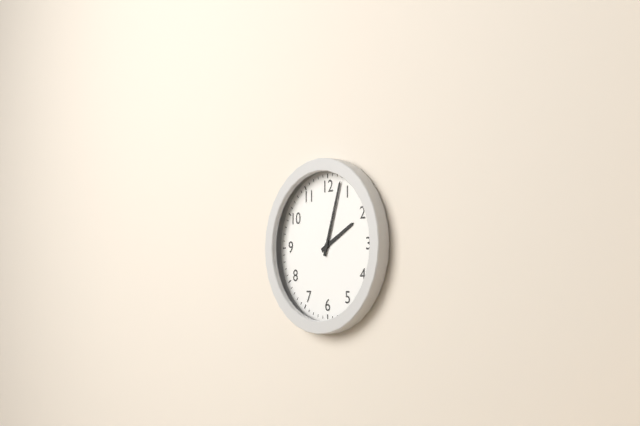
2:03
